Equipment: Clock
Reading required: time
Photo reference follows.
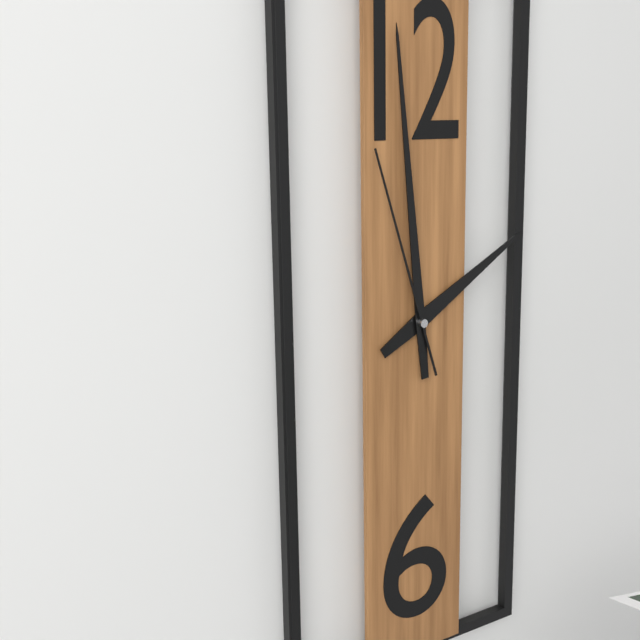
1:59:57
